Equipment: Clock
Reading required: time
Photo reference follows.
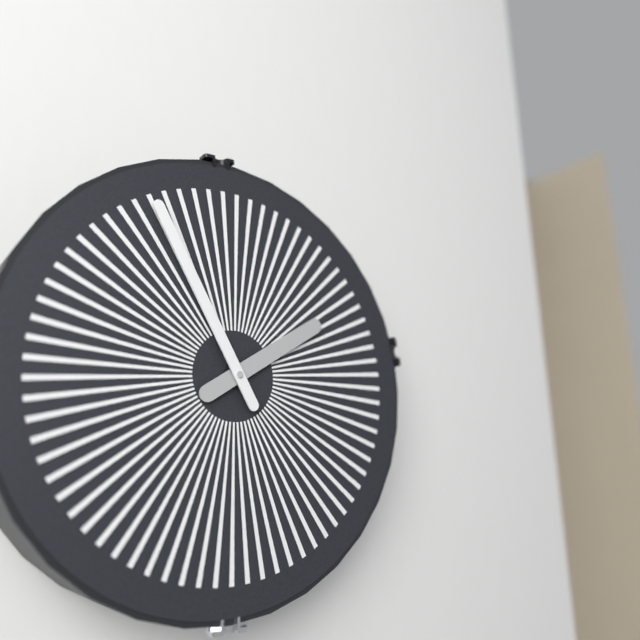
1:55
